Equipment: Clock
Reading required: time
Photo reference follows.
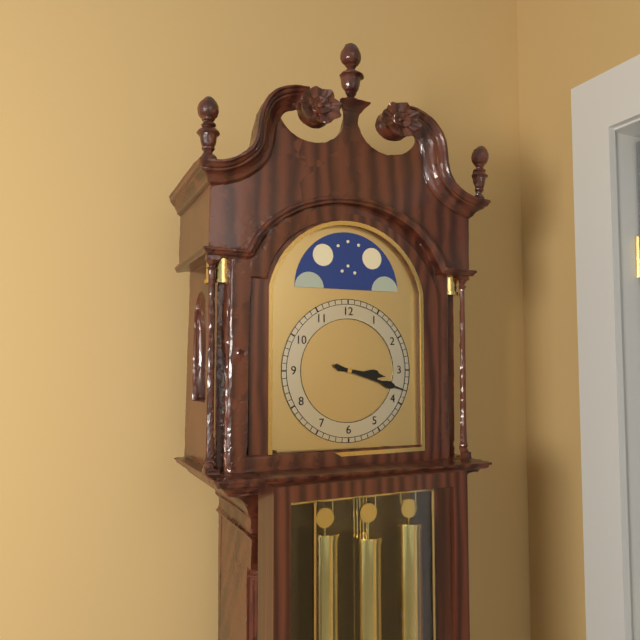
3:18
